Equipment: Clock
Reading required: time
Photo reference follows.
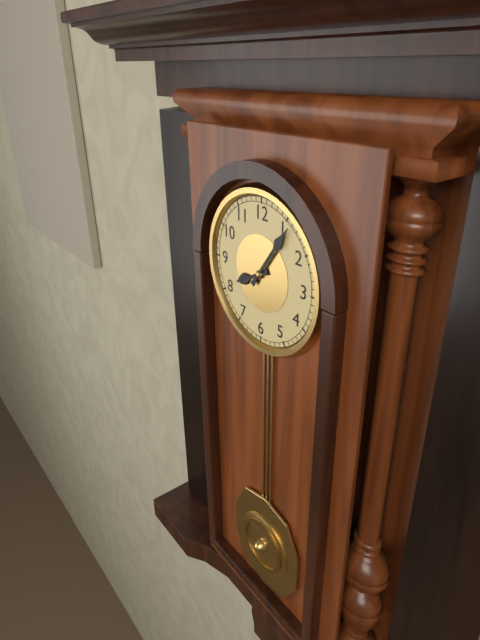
8:06
